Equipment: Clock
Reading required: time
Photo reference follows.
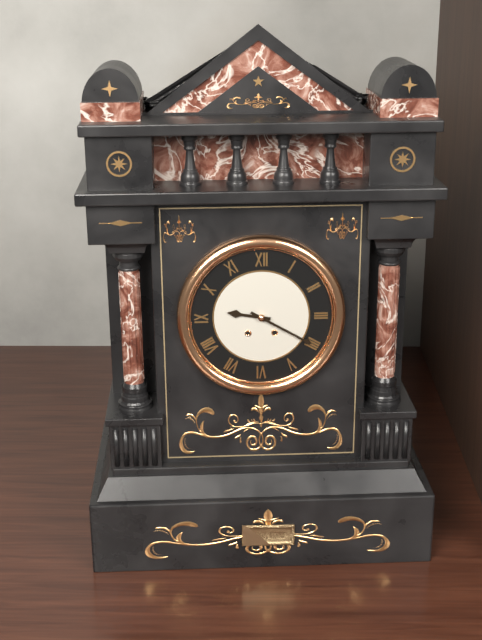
9:20
